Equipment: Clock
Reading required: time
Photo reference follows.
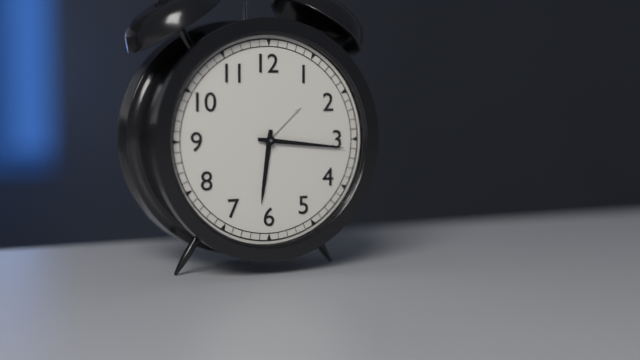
6:16
